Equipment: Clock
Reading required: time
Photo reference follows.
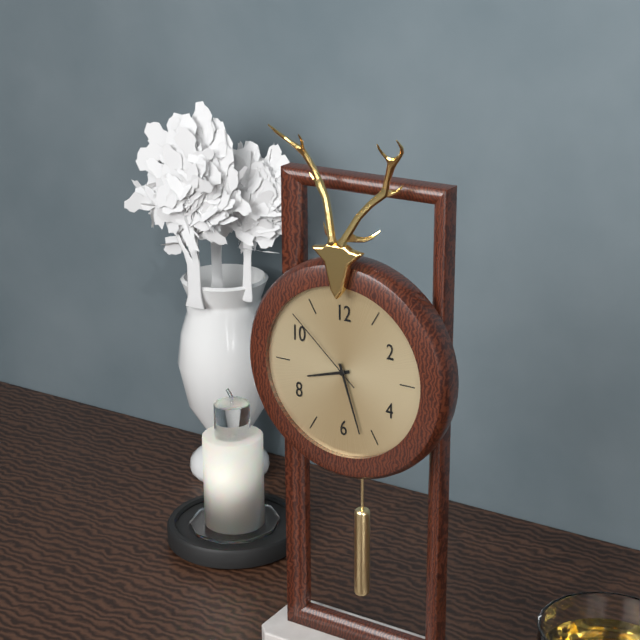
8:27:52
